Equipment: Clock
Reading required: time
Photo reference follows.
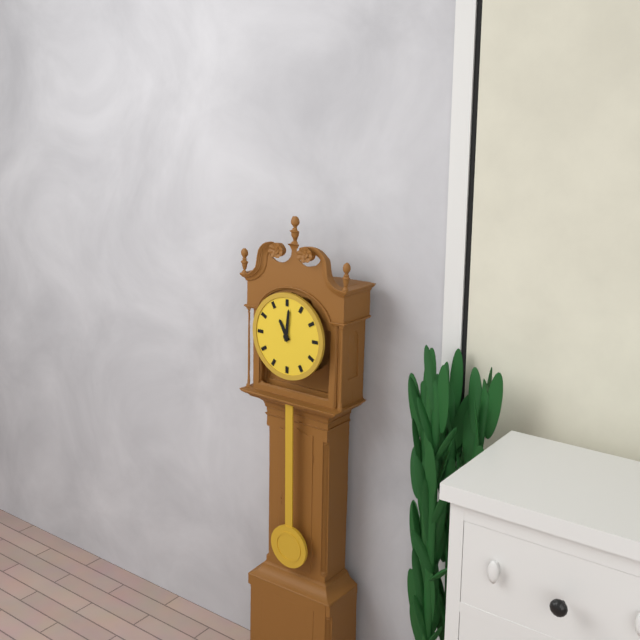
11:01
